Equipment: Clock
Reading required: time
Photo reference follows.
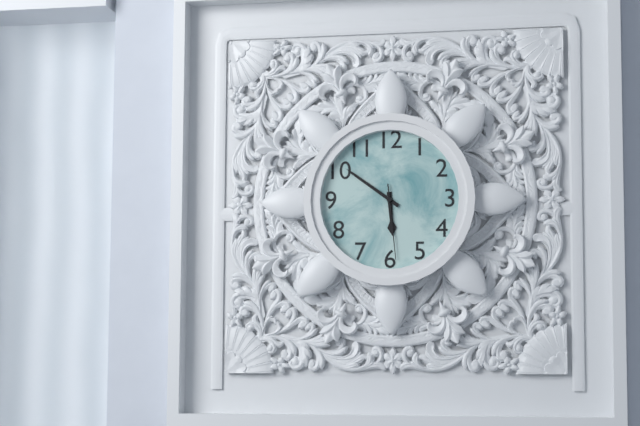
5:51:29
